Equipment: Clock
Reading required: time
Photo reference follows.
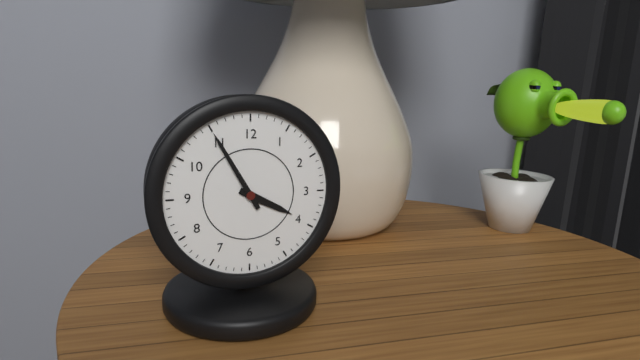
3:55
